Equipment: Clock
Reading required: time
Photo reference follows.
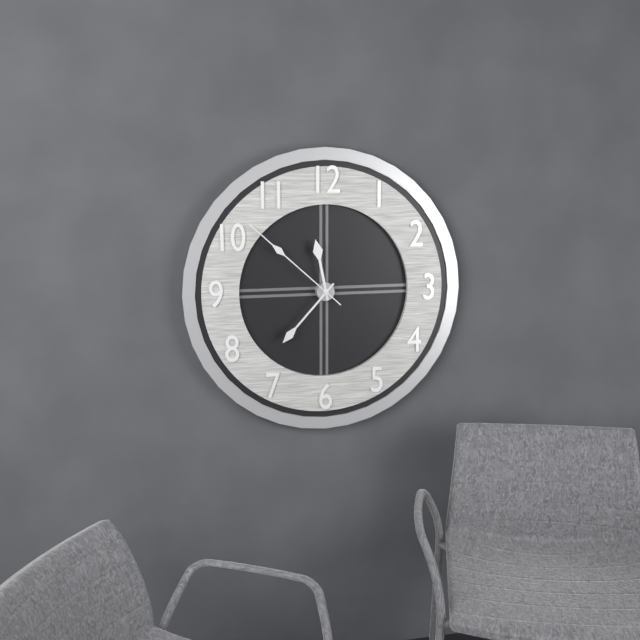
11:37:52
